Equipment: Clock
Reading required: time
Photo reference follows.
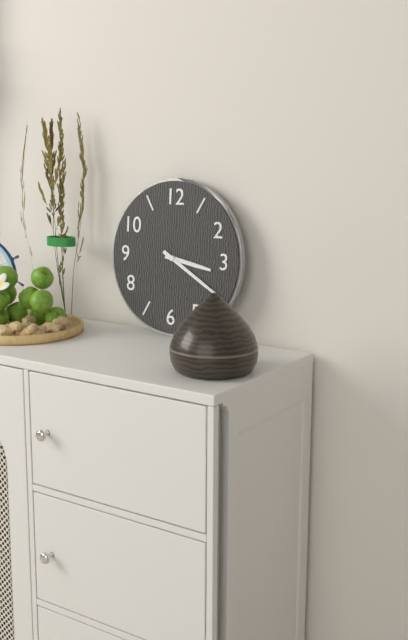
3:20
